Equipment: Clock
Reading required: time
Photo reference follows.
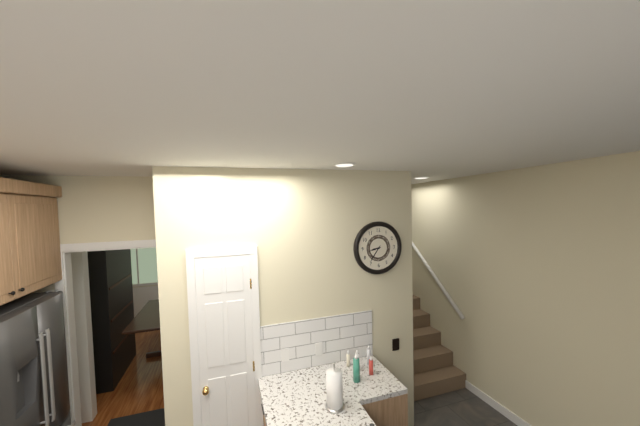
8:36
